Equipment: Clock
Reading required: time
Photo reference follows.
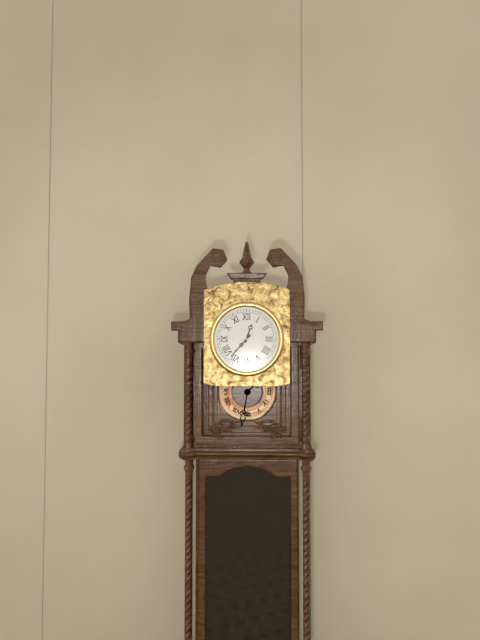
12:37
